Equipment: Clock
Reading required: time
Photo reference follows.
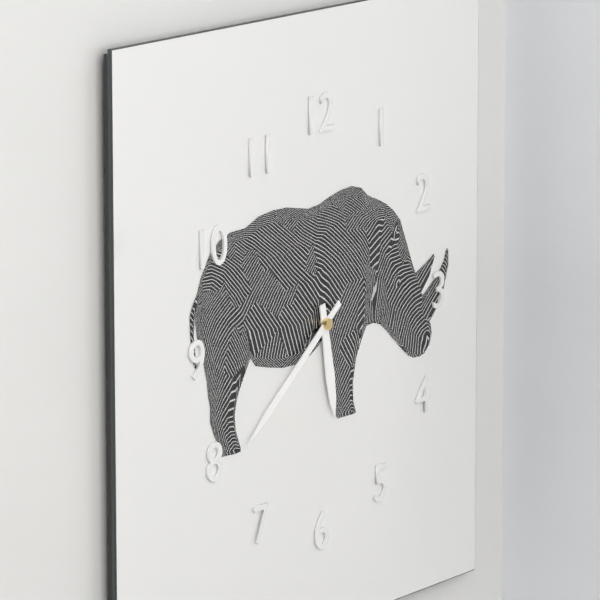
5:39
